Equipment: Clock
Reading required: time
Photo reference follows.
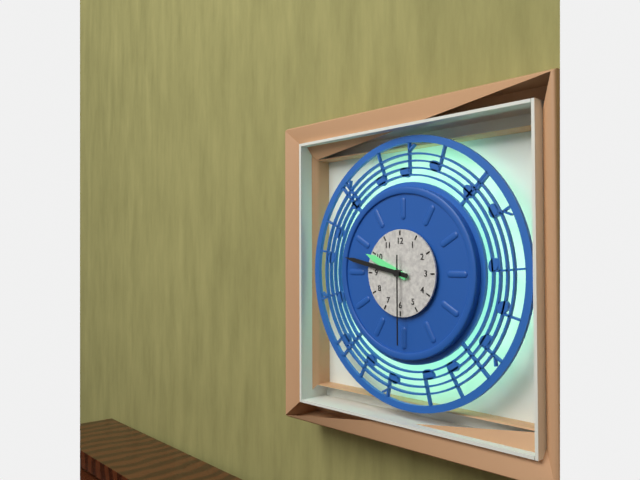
9:47:30
